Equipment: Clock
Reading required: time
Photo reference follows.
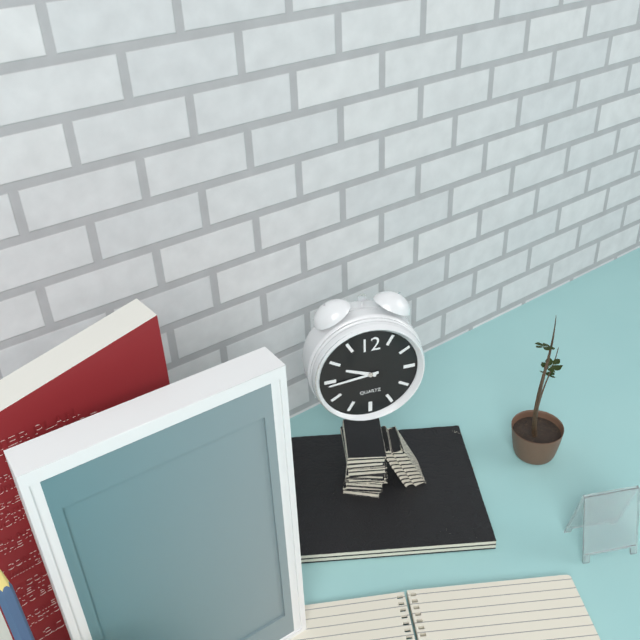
9:44
